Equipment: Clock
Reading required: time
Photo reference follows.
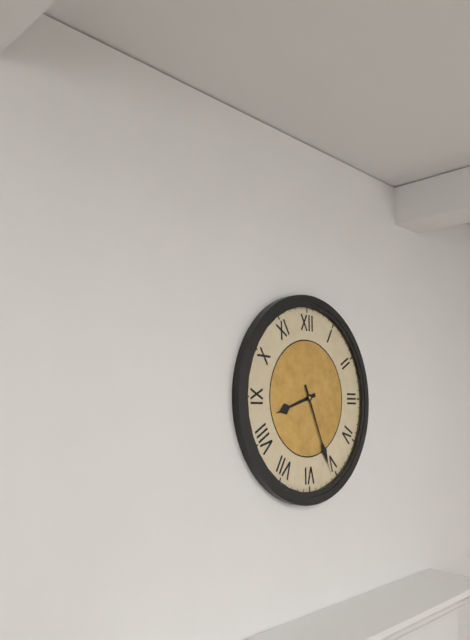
8:26
